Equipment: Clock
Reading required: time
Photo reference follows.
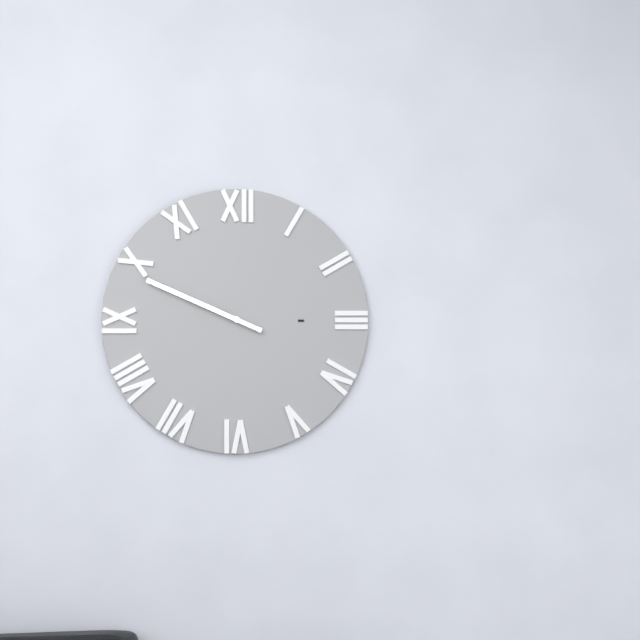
9:49
